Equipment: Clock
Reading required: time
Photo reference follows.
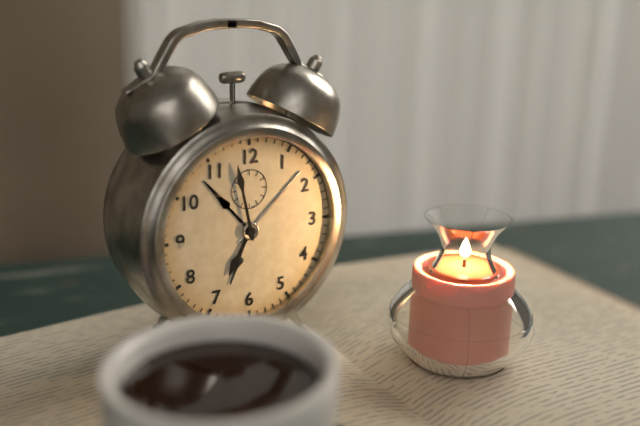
6:58
